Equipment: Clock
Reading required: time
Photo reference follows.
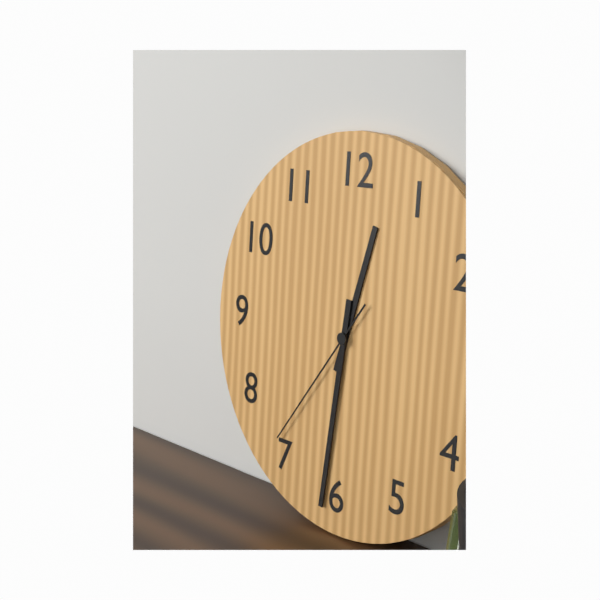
12:31:36
